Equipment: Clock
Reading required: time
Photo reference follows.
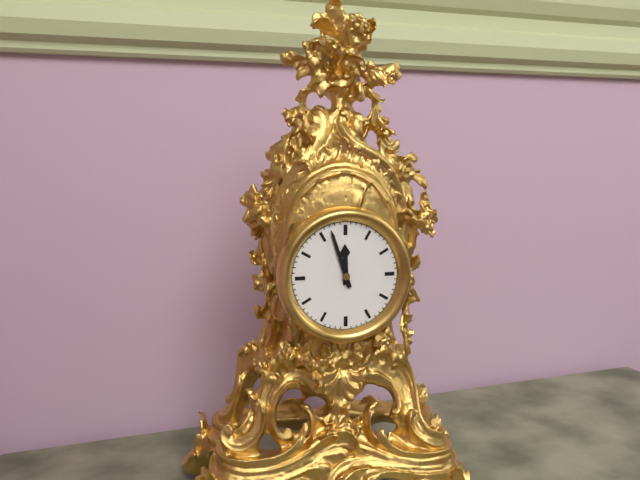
11:57
